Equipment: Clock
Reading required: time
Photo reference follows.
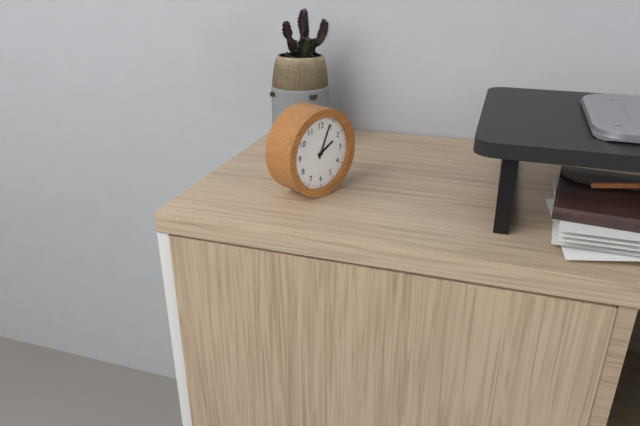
2:04
